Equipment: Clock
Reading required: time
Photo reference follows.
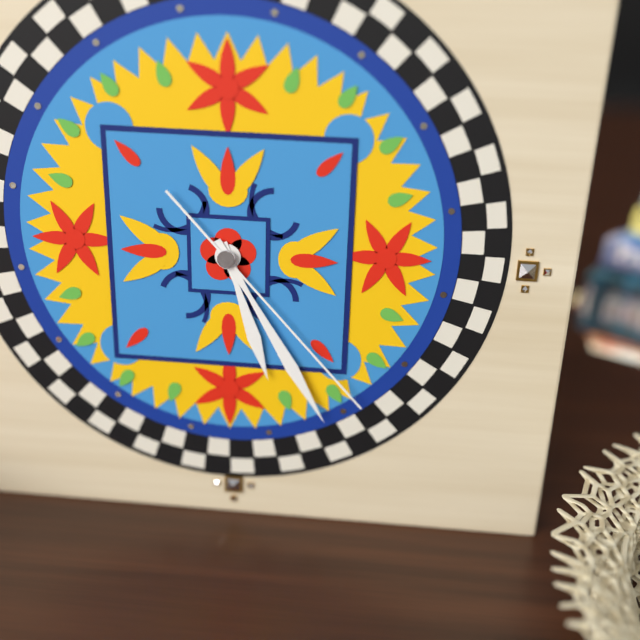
5:25:23
